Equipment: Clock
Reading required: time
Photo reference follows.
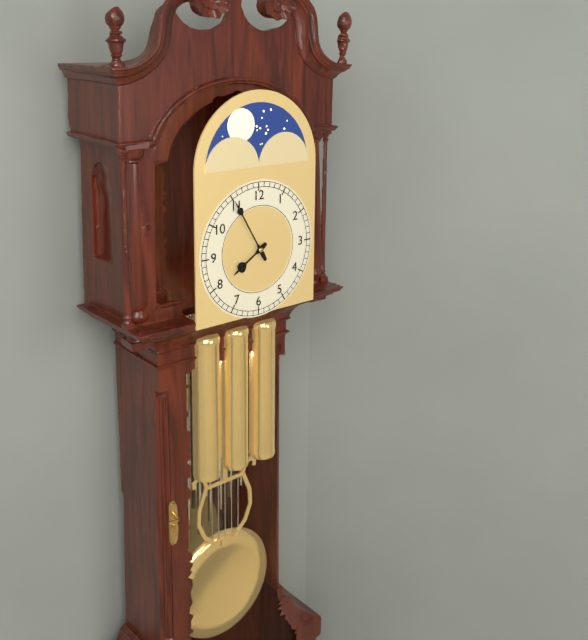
7:55
